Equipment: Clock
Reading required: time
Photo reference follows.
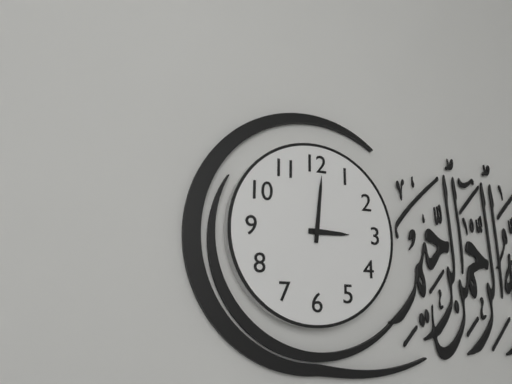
3:01
